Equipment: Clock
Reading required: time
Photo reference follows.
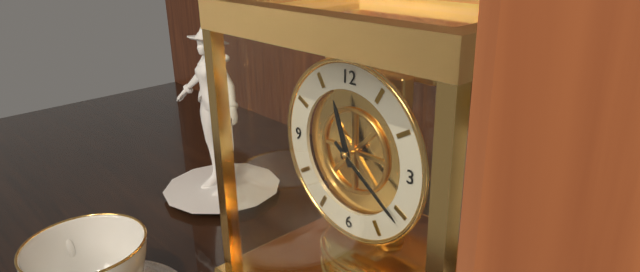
11:21
